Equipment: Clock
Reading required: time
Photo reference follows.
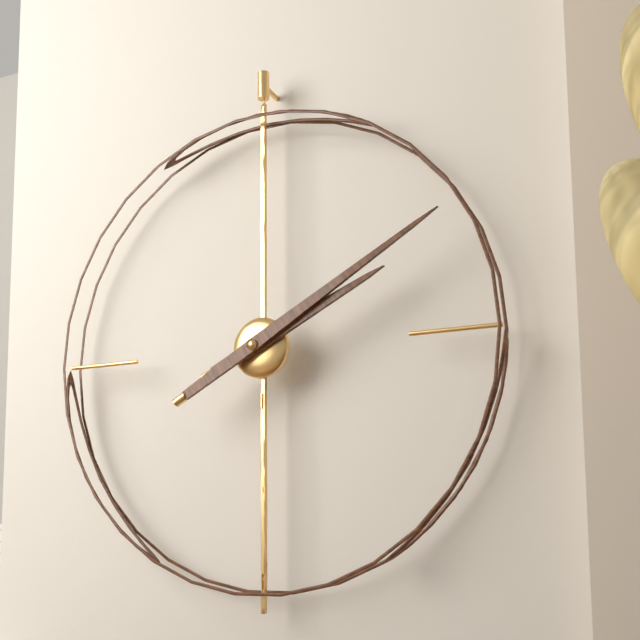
2:10
